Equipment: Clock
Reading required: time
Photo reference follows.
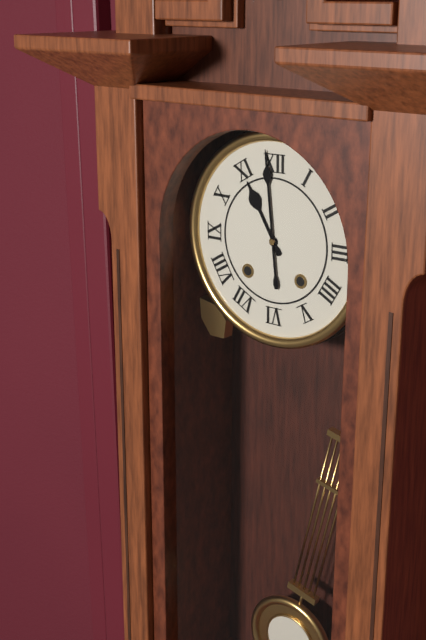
10:59
